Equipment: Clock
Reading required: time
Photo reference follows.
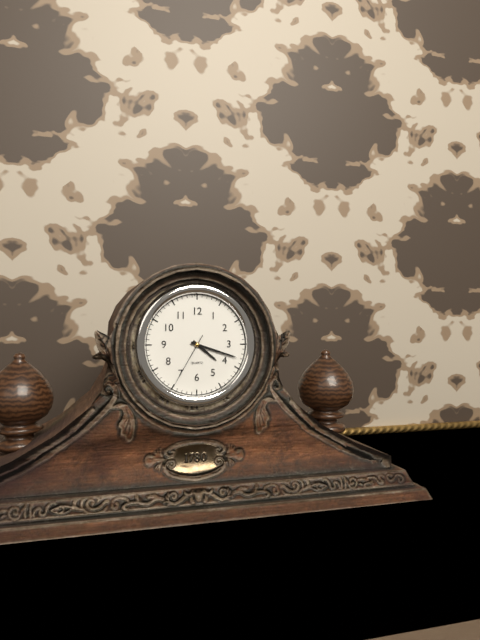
4:18:35
